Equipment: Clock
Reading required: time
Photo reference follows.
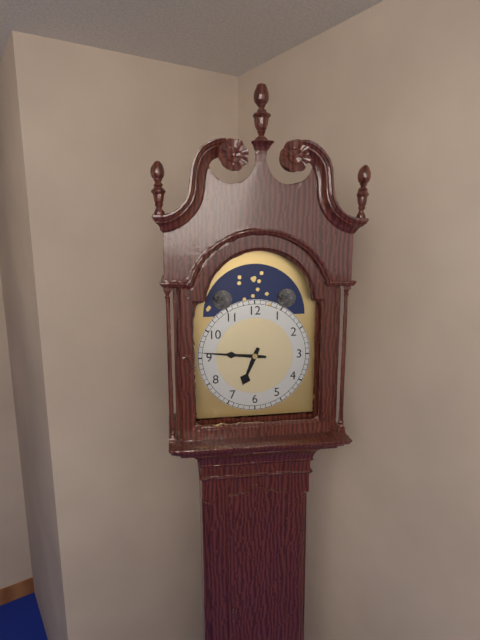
6:46
